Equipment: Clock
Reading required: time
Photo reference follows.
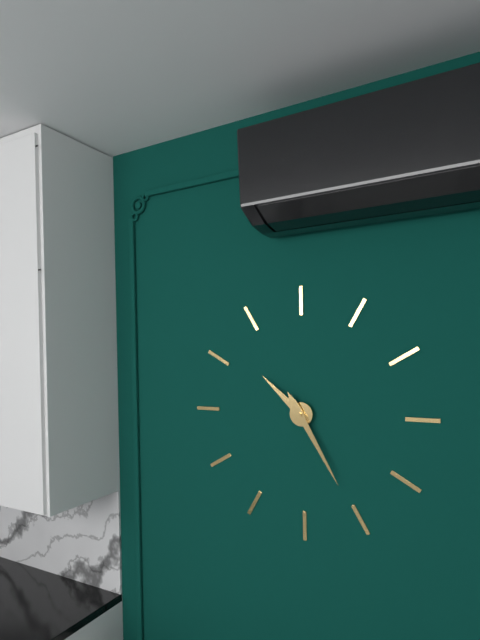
10:25
